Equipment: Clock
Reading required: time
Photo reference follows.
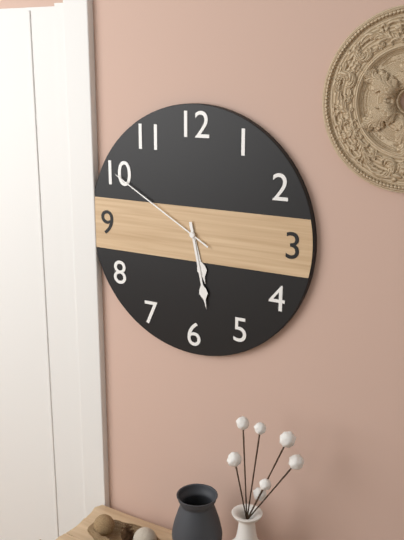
5:28:50
